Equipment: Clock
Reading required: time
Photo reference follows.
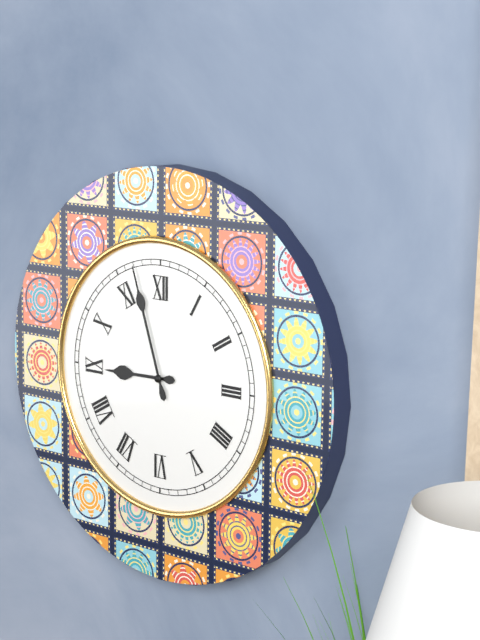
8:57
